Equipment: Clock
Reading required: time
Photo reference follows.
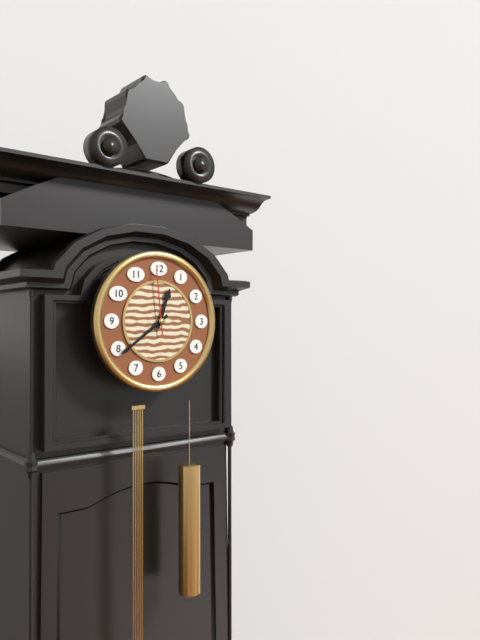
12:39:59
